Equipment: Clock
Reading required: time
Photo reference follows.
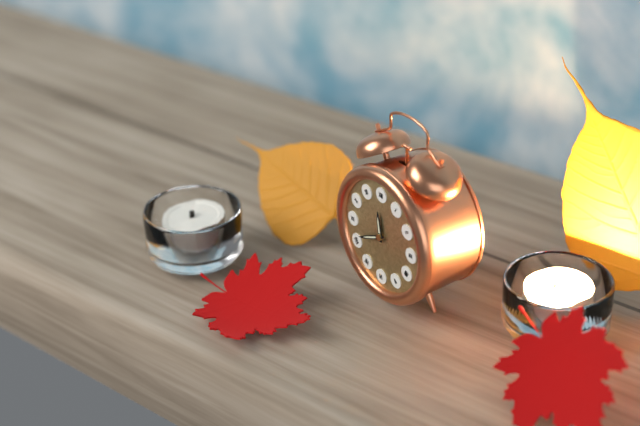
11:41
